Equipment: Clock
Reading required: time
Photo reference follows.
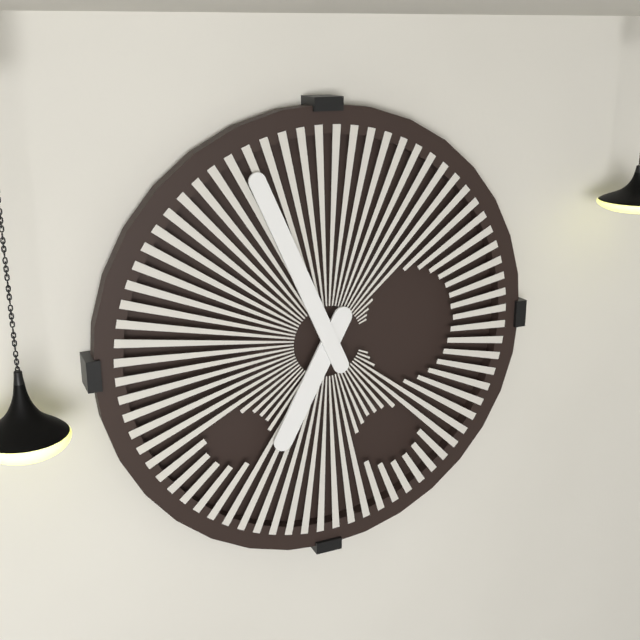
6:56
